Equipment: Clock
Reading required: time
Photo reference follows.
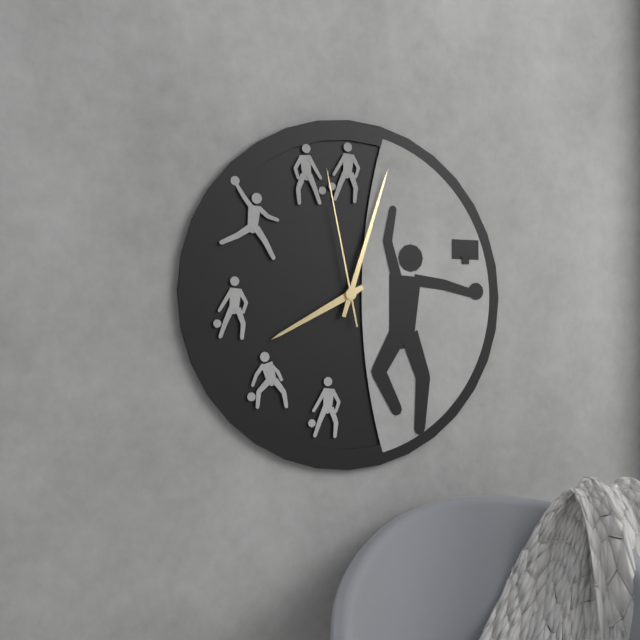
8:03:58
